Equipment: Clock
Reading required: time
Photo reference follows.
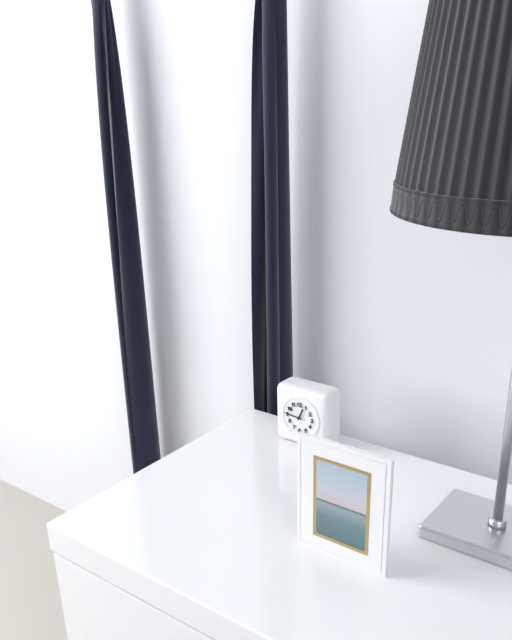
12:46
